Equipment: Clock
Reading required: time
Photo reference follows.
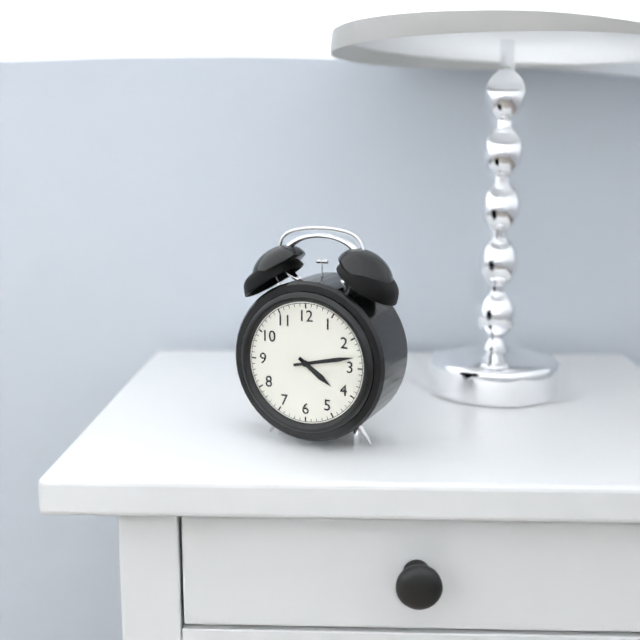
4:13
